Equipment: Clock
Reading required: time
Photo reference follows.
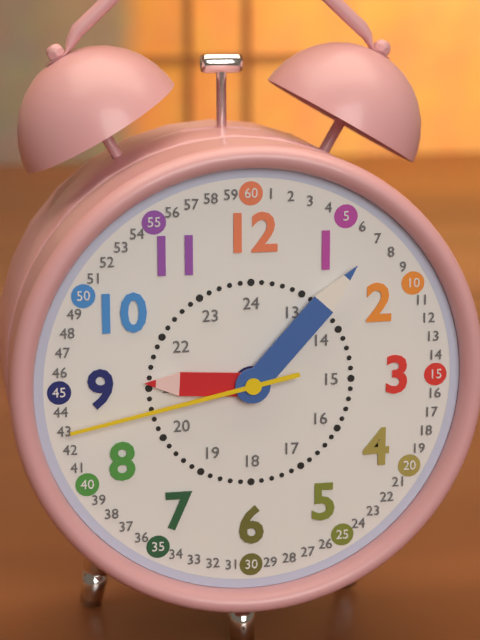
9:07:43
